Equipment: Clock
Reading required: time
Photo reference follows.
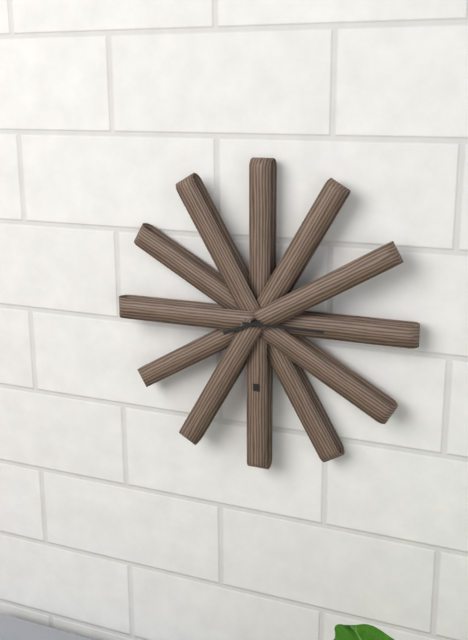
8:15
